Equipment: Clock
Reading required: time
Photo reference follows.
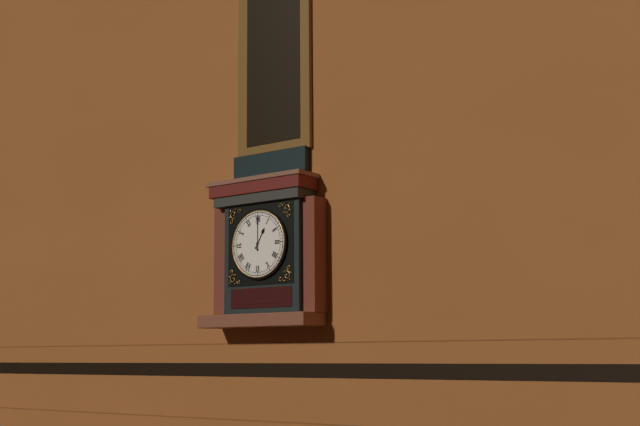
1:00
